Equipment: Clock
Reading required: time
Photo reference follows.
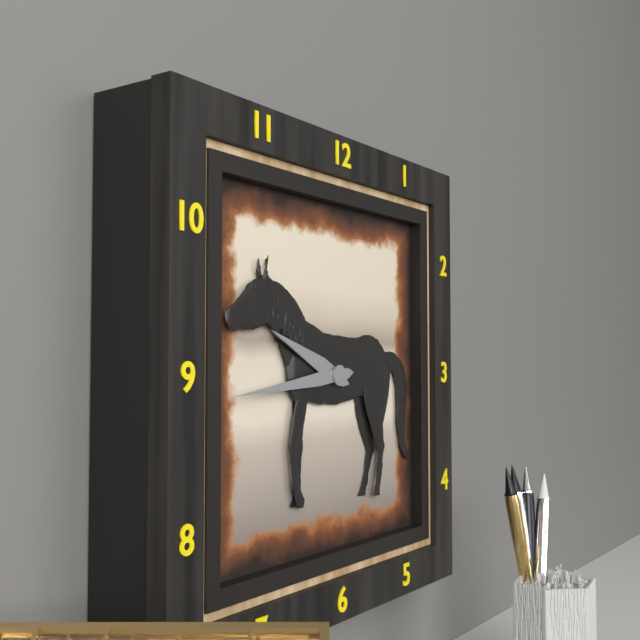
9:44
